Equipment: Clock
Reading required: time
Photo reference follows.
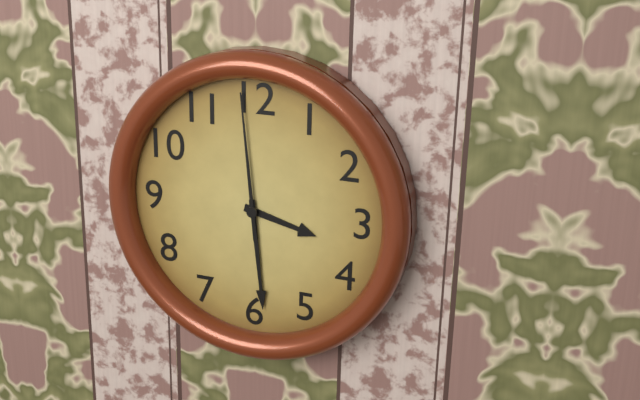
3:29:59
